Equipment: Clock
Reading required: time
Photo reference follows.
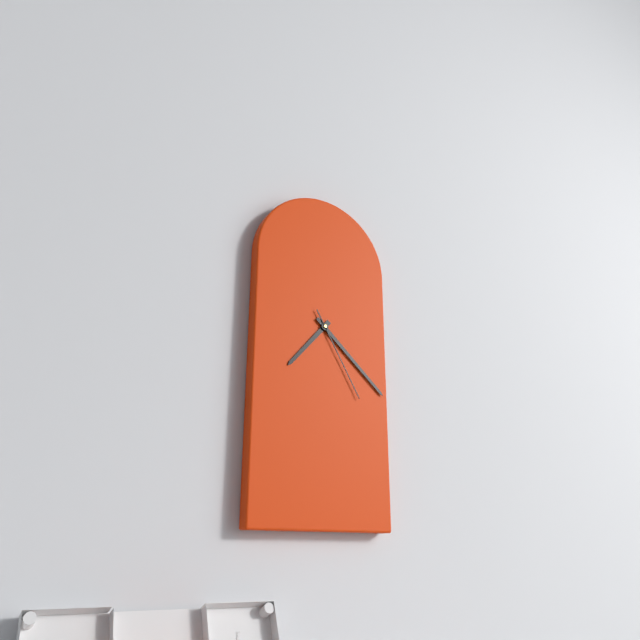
7:22:25
